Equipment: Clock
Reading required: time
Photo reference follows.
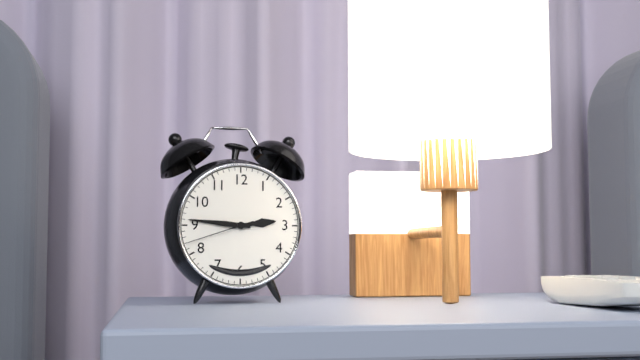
2:46:42
